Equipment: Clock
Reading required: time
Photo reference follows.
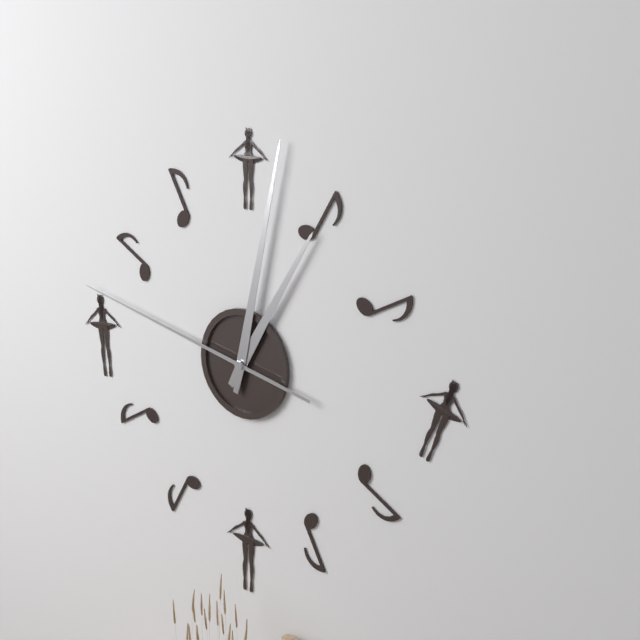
1:02:47
